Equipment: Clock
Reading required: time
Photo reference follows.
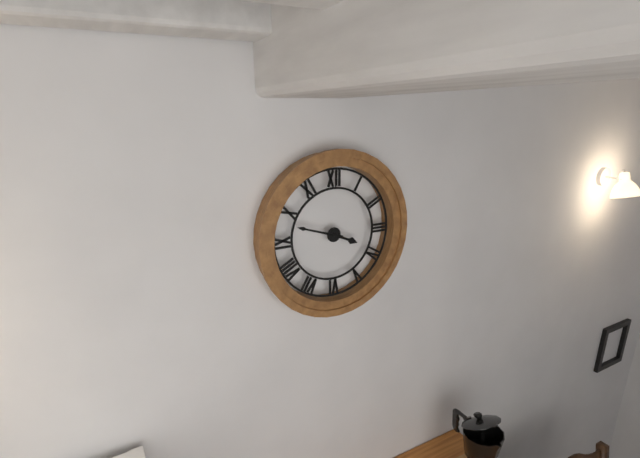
3:48
